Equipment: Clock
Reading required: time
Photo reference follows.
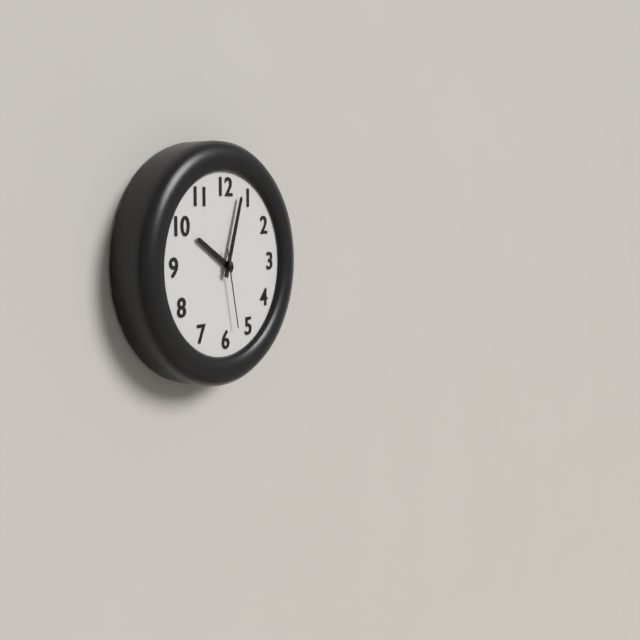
10:03:28
